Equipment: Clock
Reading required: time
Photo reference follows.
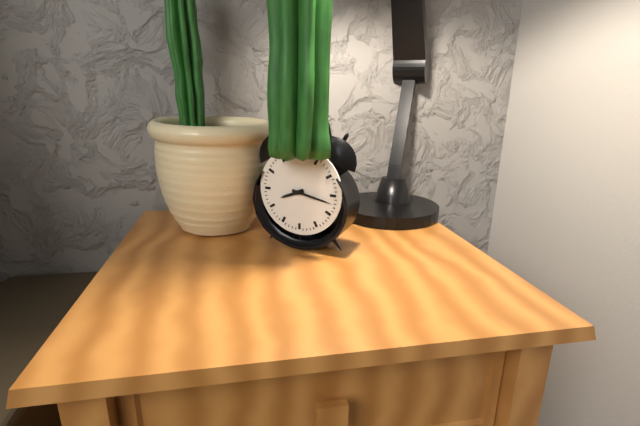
8:17
